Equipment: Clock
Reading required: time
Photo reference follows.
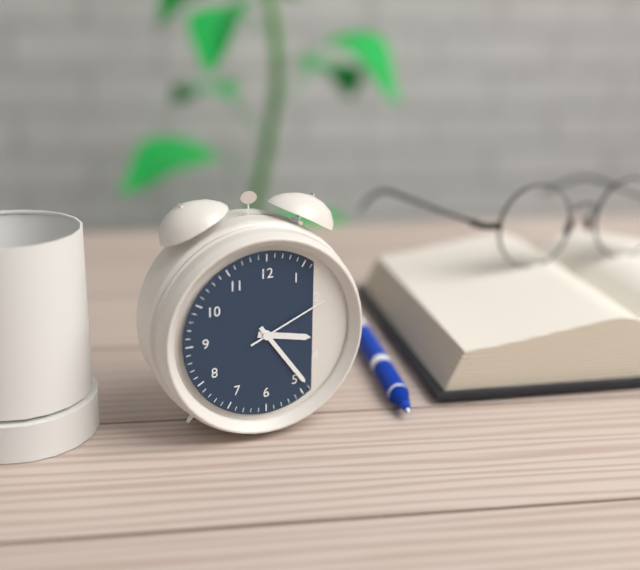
3:24:11
